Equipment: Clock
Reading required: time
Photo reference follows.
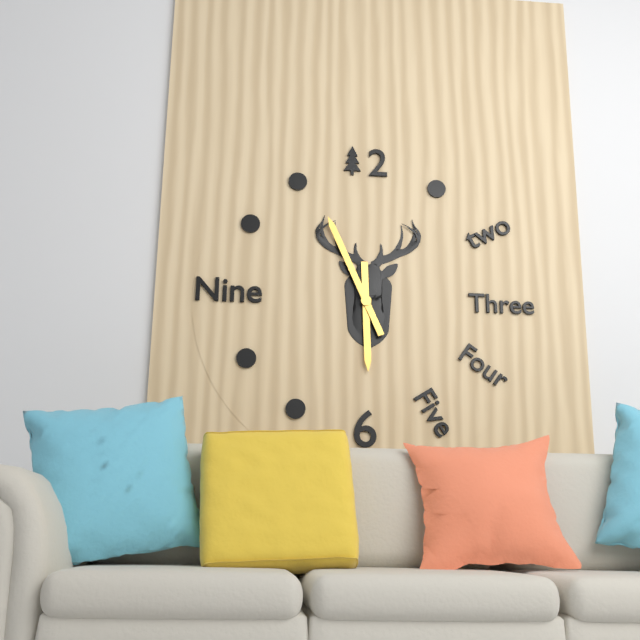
5:56
